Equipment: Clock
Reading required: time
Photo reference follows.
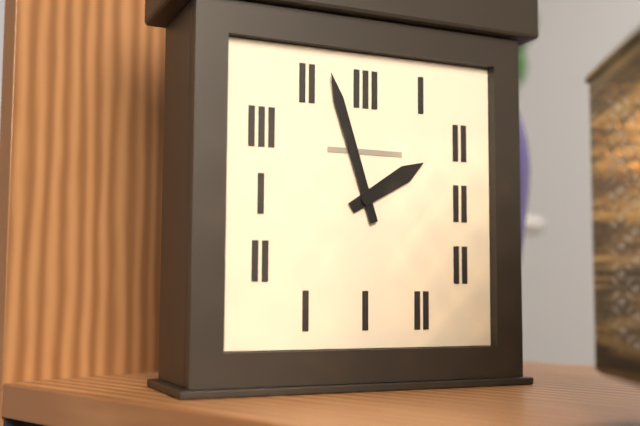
1:57
